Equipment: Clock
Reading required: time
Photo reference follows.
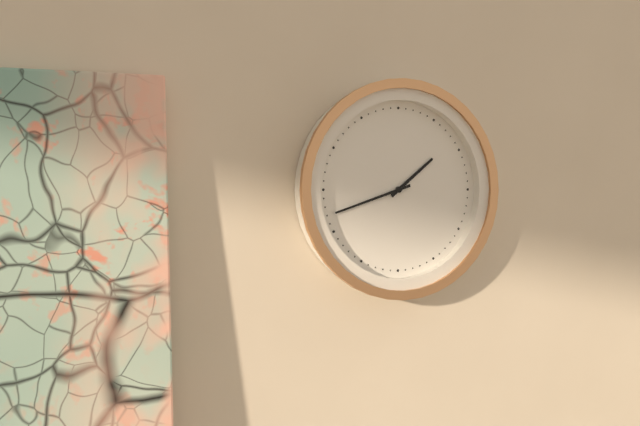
1:42
